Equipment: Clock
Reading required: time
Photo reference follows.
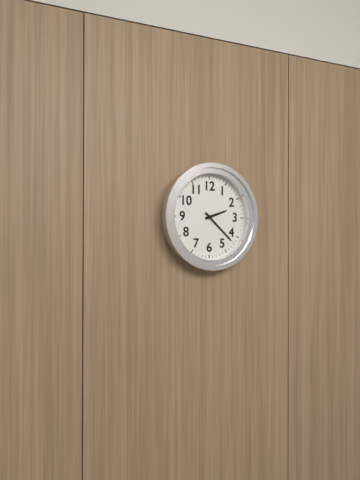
2:22
